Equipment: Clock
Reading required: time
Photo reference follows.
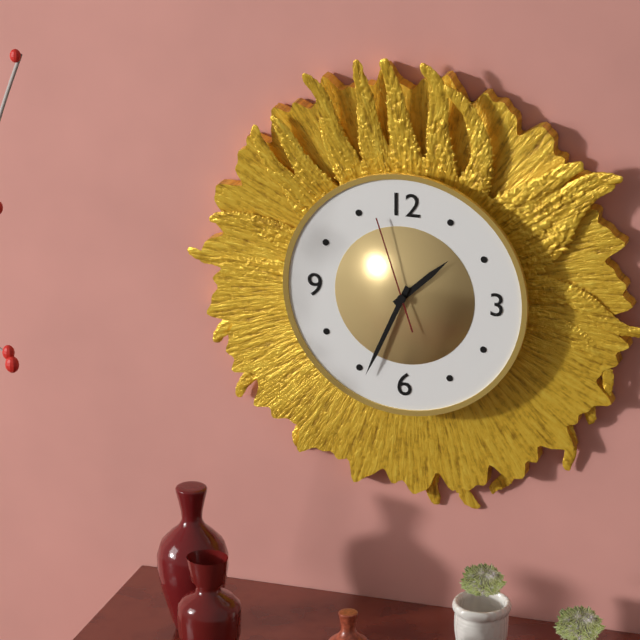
1:34:57
